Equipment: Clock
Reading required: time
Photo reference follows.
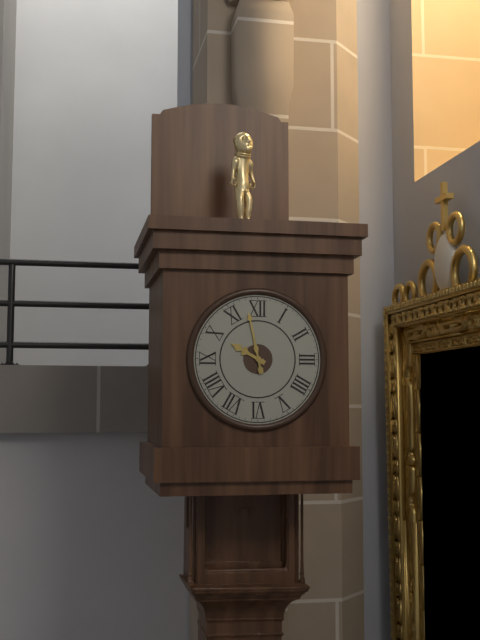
9:58
